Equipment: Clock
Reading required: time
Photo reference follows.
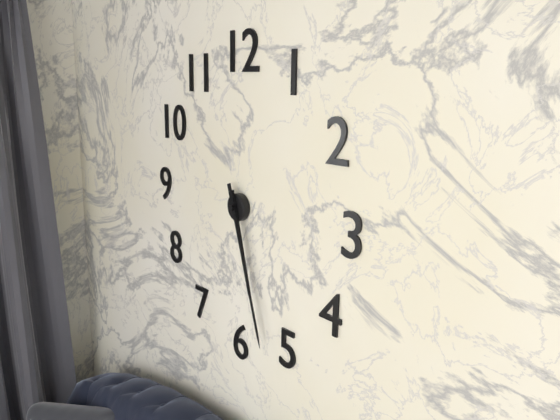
5:27
